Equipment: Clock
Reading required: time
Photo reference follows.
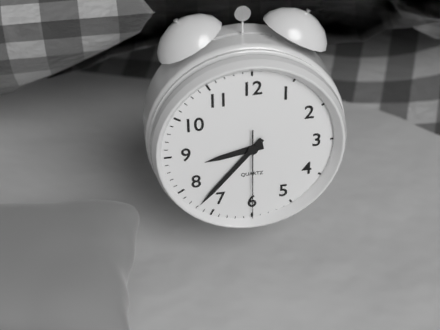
8:37:30
